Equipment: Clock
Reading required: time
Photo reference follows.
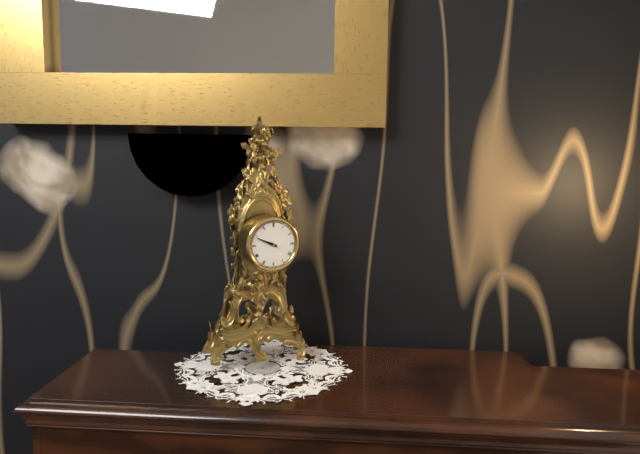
9:49
